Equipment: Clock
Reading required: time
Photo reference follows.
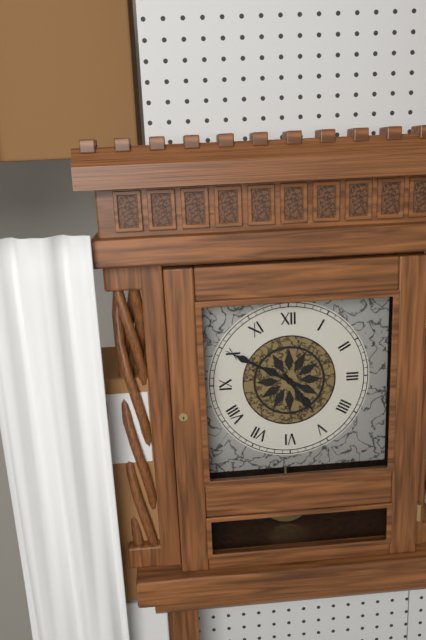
4:50
